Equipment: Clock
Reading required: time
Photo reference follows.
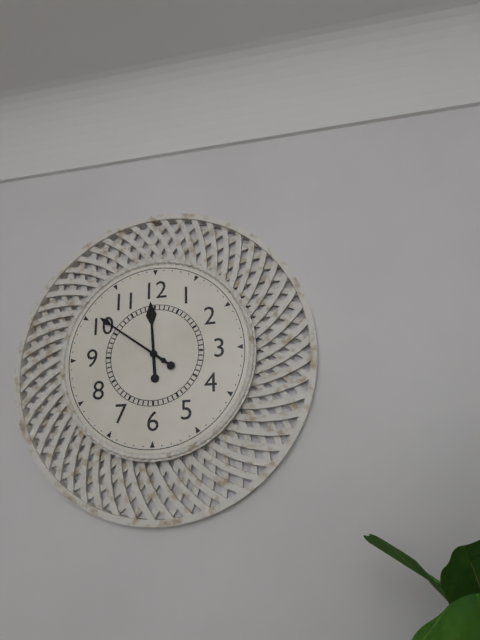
11:51
